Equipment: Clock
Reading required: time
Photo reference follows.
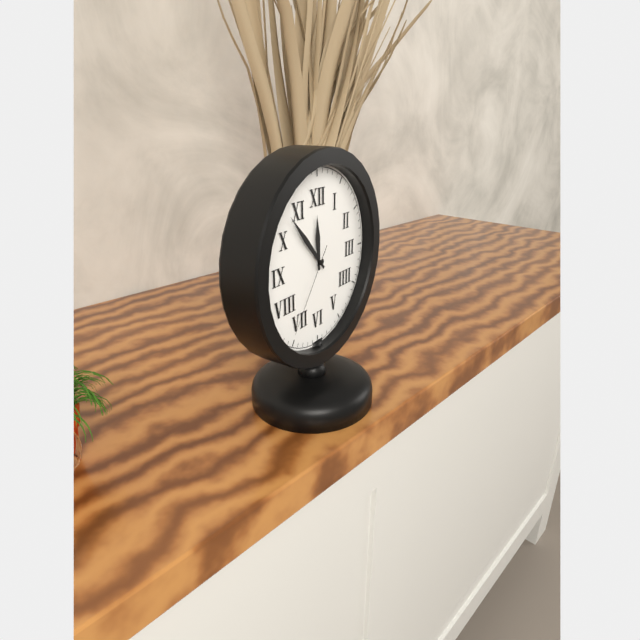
11:53:36
